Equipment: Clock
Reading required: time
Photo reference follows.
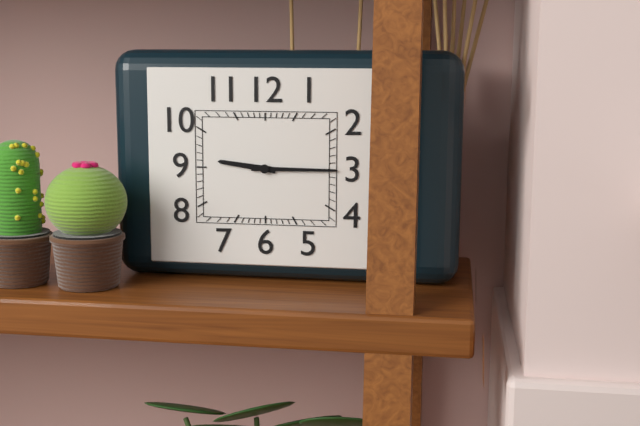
9:15
